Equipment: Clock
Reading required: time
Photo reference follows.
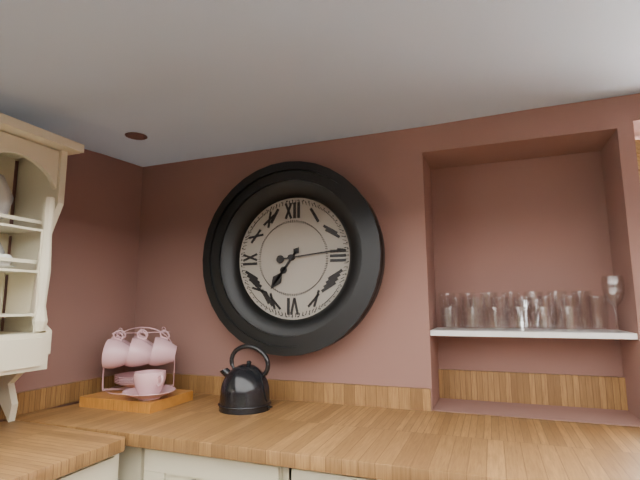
7:14
